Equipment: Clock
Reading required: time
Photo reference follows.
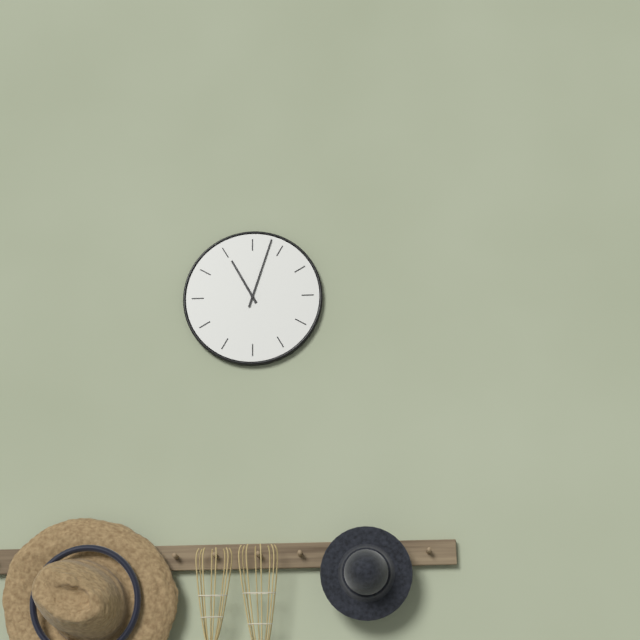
11:03
